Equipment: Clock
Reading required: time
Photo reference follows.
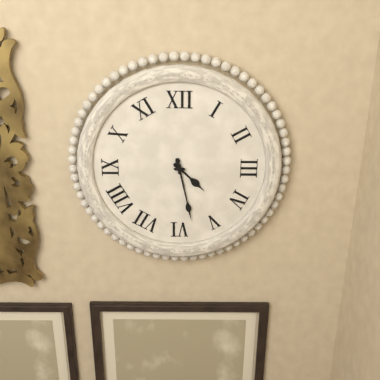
4:28
